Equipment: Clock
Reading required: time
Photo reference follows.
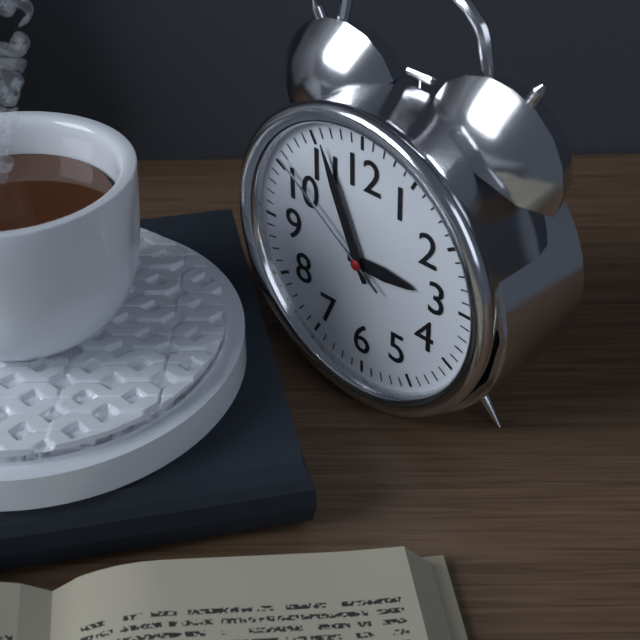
2:56:51
